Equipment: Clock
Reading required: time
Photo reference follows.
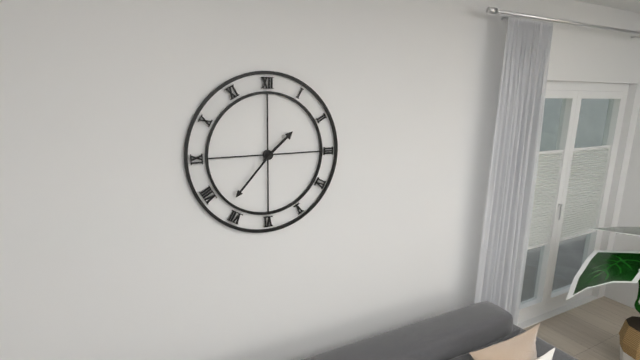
1:37
